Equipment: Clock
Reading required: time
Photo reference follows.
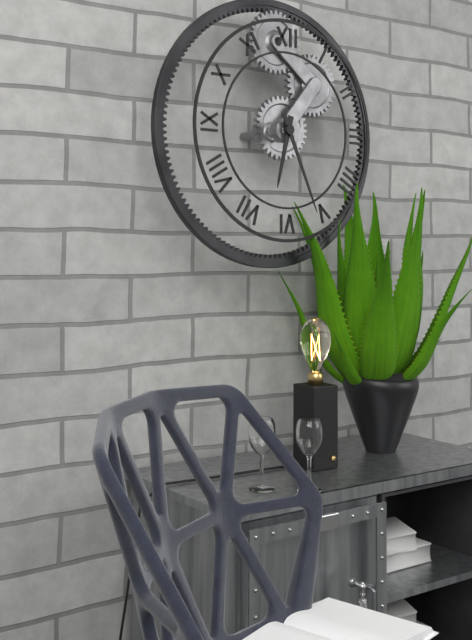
6:26
